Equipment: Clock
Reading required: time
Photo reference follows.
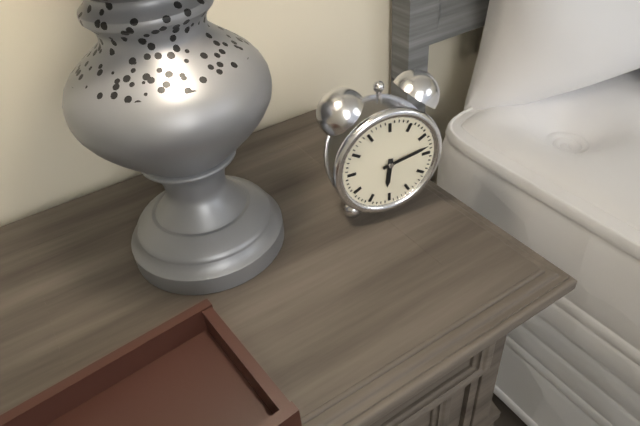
6:13
